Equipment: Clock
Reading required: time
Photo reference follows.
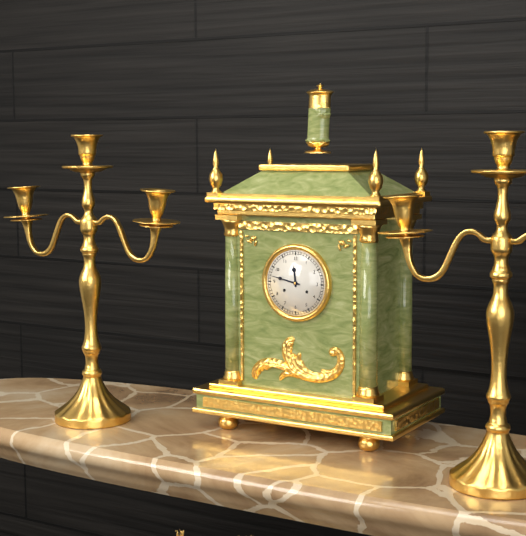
11:47
